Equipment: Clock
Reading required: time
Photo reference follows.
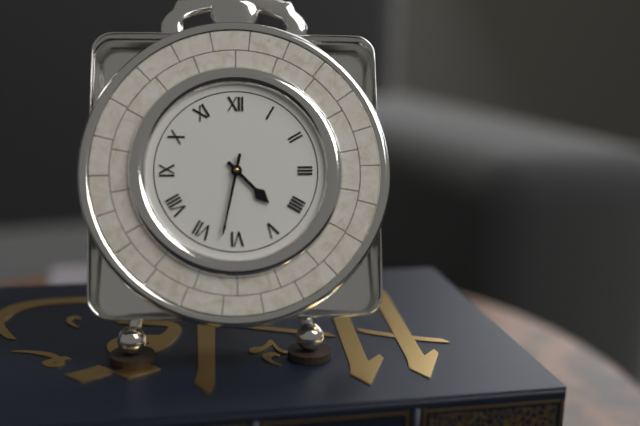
4:32
